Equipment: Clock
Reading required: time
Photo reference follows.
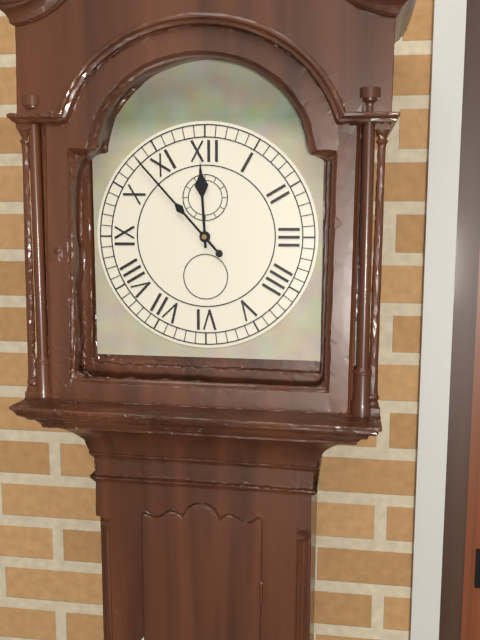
11:53
